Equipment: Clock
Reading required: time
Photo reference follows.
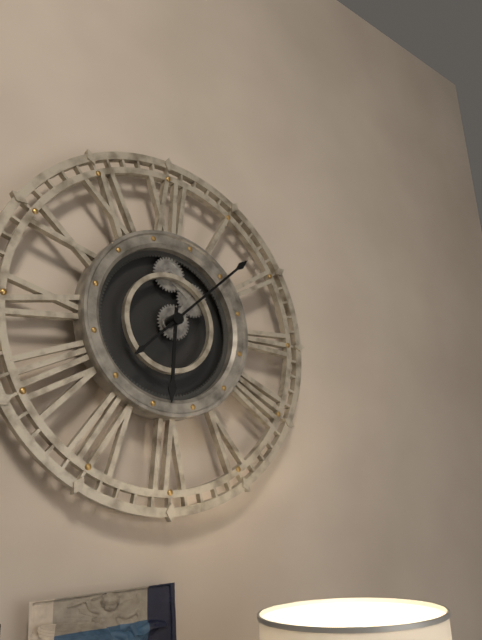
6:08
